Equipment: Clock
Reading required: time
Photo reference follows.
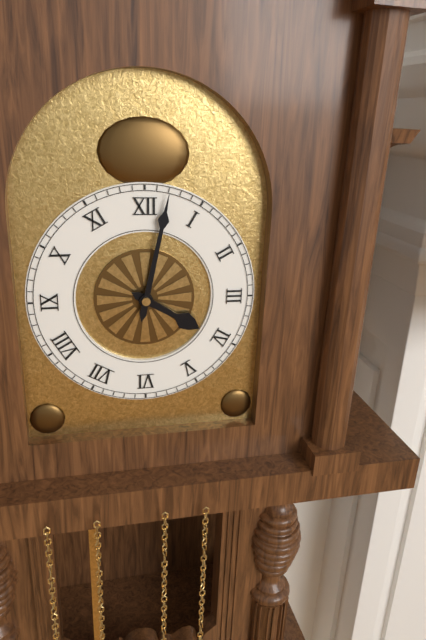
4:02
